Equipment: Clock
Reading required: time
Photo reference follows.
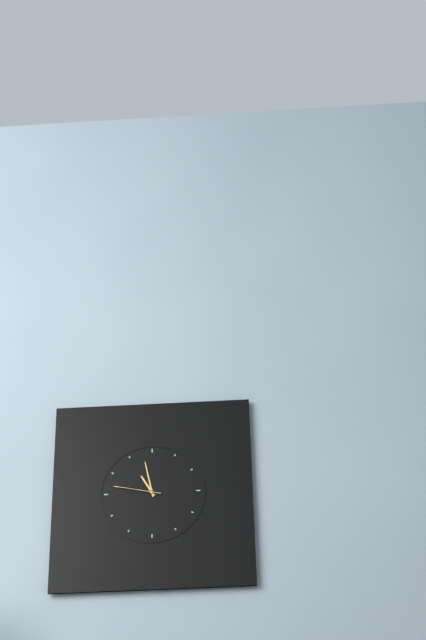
10:58
